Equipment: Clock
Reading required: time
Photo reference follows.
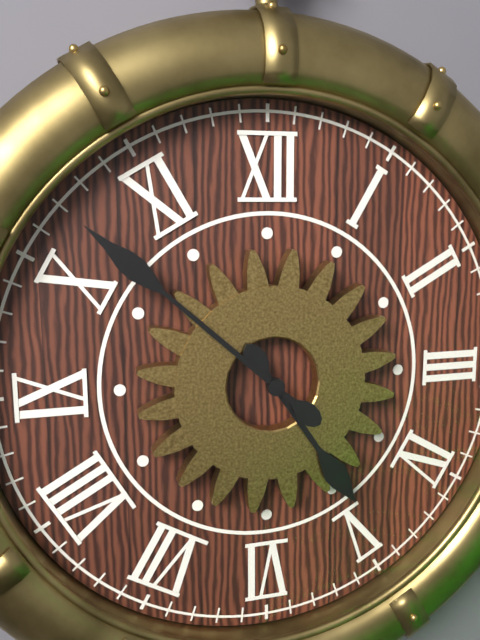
4:52
